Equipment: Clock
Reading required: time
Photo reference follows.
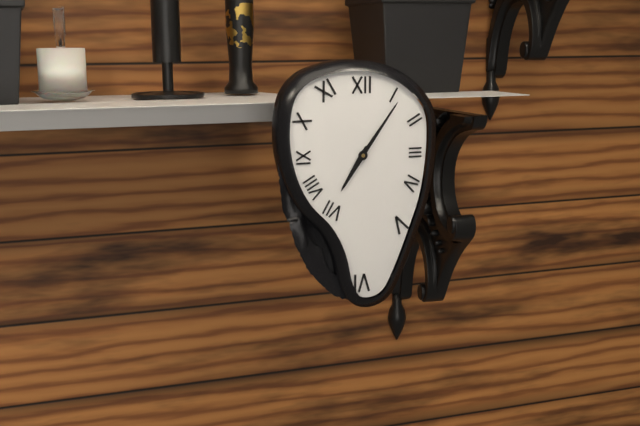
7:06
